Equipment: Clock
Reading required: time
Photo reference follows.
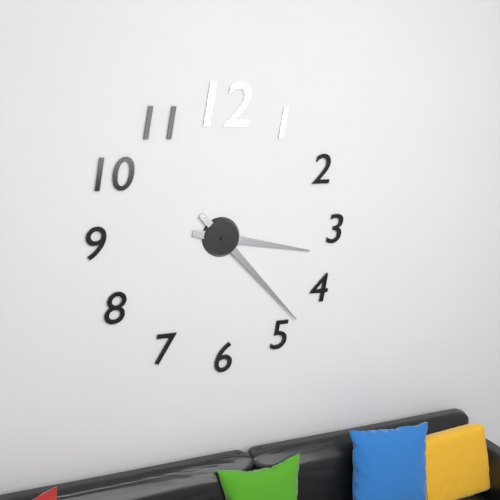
3:23
